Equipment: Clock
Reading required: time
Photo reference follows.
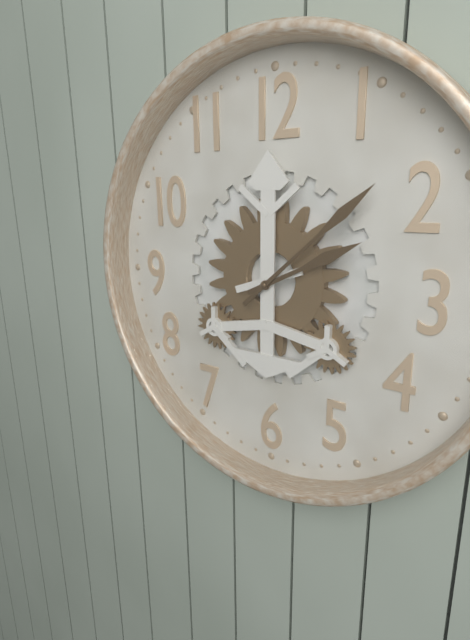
2:08
